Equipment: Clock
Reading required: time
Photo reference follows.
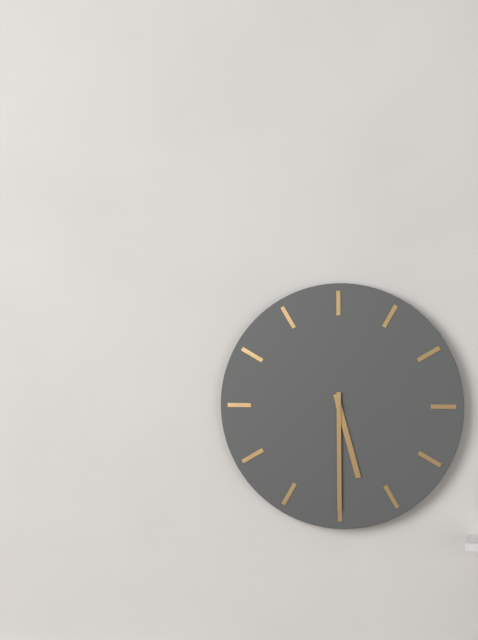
5:30
